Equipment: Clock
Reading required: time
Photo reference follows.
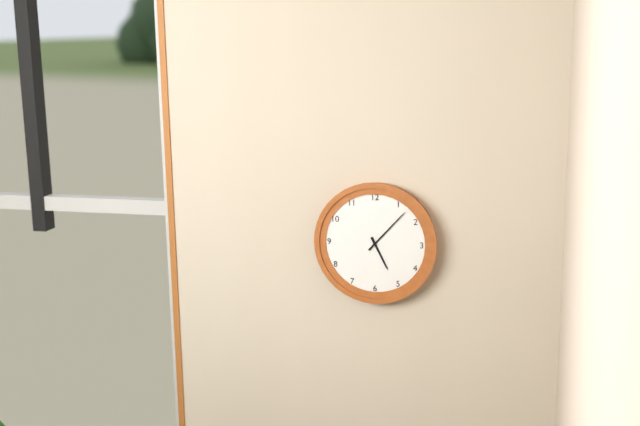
5:07
